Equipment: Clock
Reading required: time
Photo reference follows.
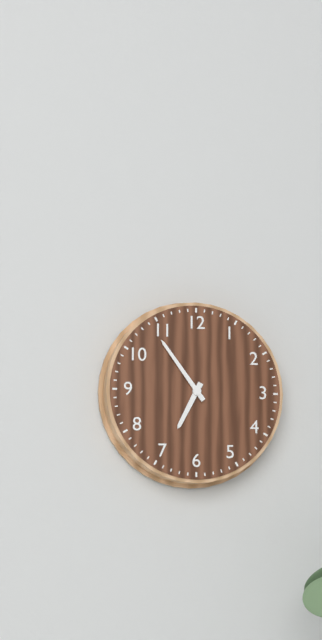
6:54
